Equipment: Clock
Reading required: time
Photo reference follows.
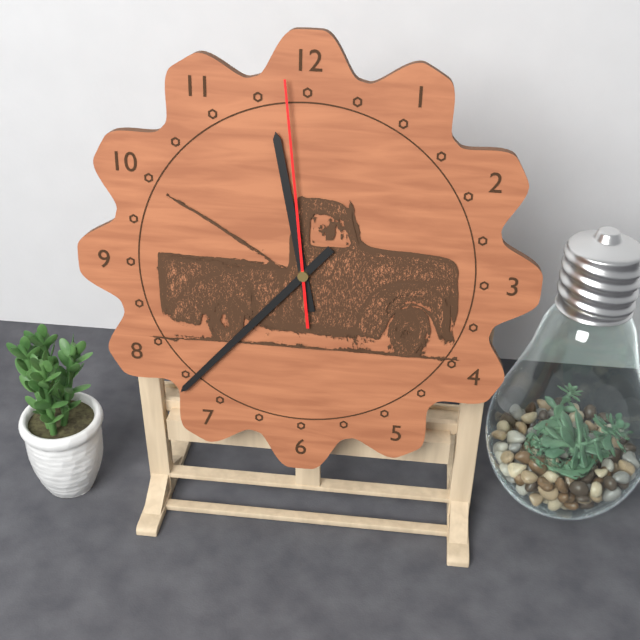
11:37:59
